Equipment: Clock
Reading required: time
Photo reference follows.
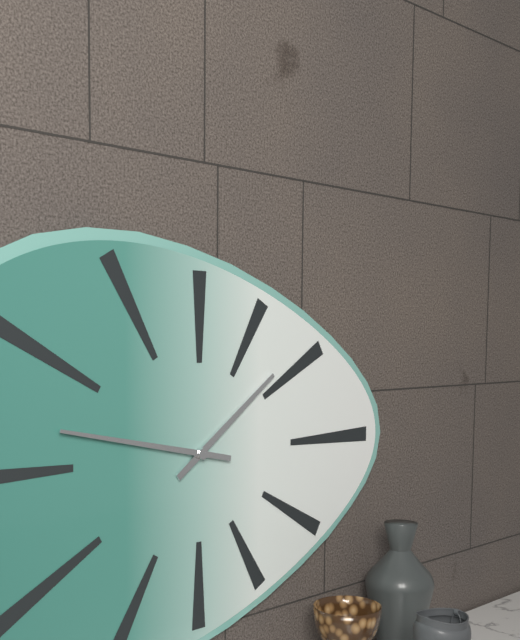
1:47
